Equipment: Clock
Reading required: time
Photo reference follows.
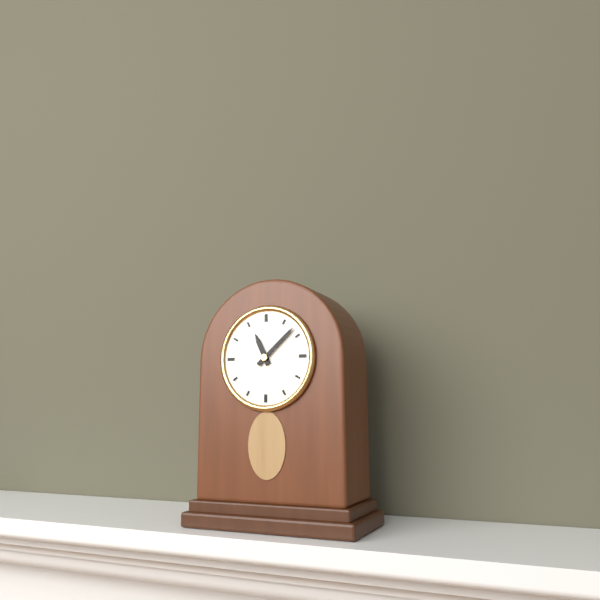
11:08
